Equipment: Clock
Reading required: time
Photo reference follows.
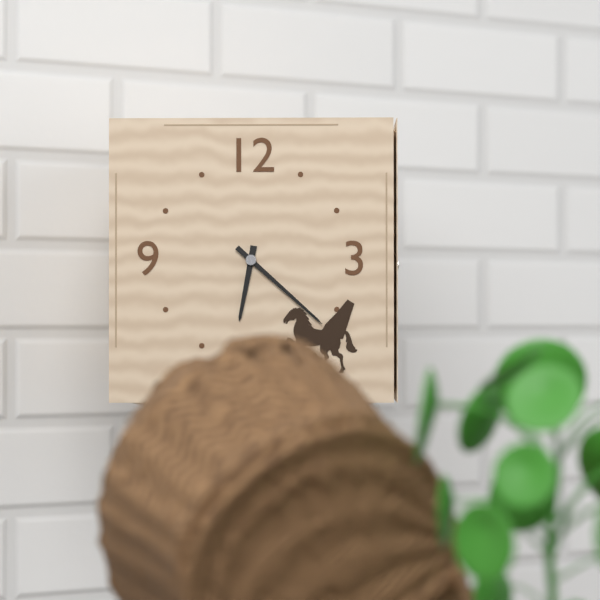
6:22
